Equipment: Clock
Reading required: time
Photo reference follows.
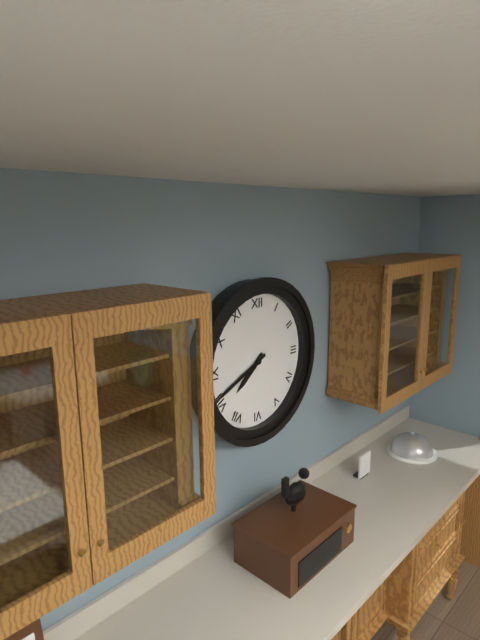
7:41
